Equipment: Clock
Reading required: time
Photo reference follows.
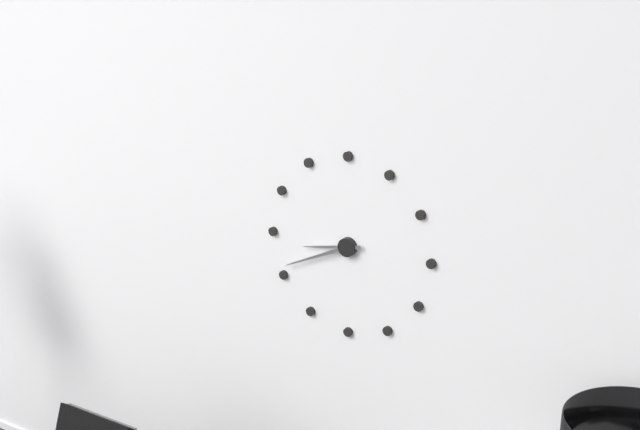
8:41
